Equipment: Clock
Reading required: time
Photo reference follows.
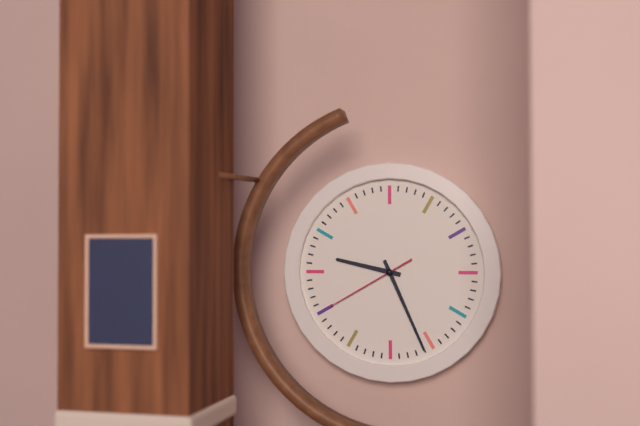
9:26:40
